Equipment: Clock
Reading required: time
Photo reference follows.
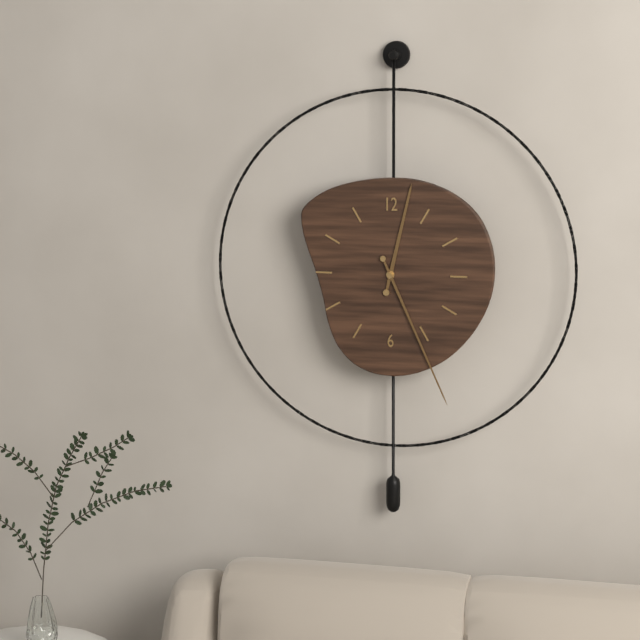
12:26
